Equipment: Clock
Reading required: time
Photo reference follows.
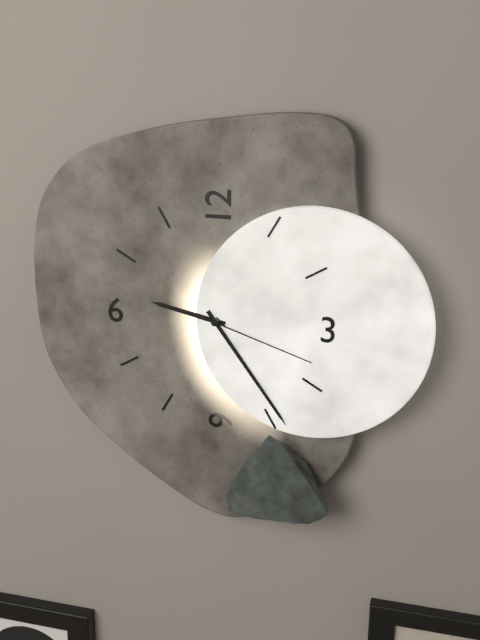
9:24:18
